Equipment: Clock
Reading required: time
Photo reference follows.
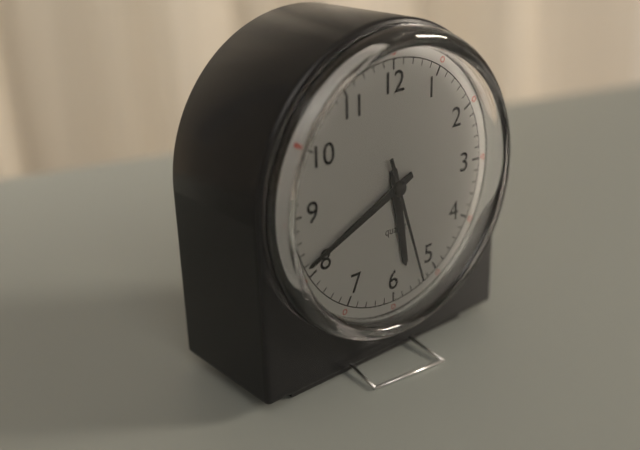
5:41:27
